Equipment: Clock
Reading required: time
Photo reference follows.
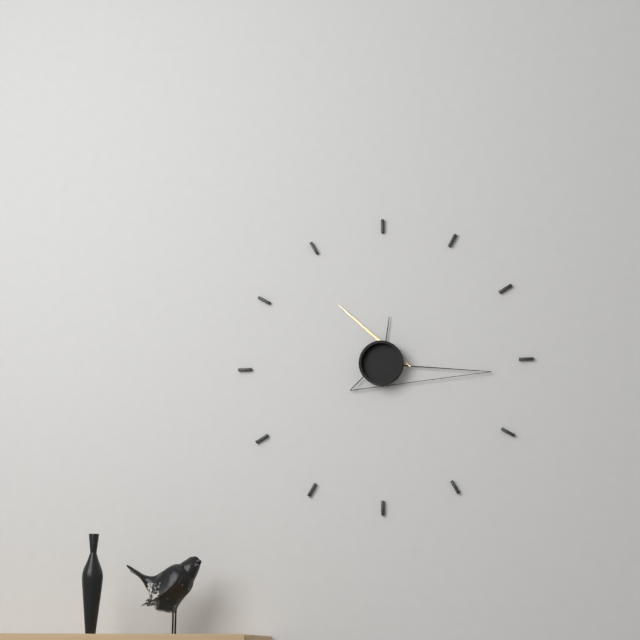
12:16:54
